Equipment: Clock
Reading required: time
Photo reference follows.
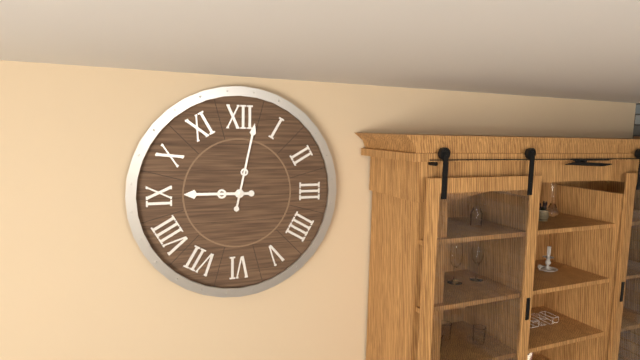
9:02
